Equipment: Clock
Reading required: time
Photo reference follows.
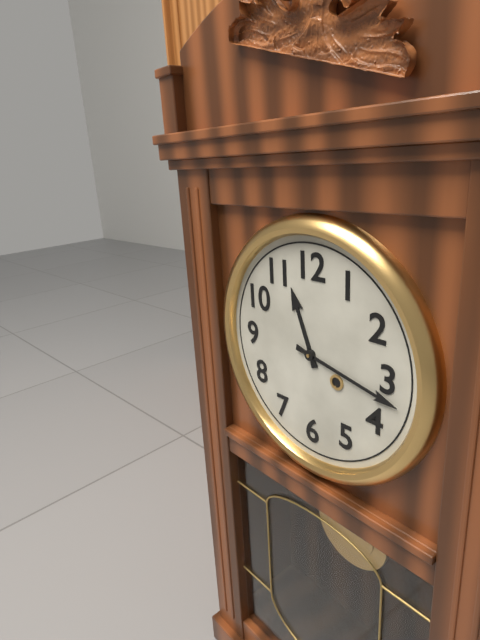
11:17
